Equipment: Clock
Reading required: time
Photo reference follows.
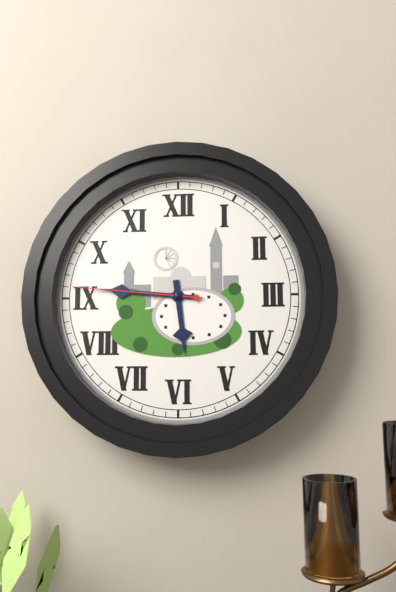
5:46:46
